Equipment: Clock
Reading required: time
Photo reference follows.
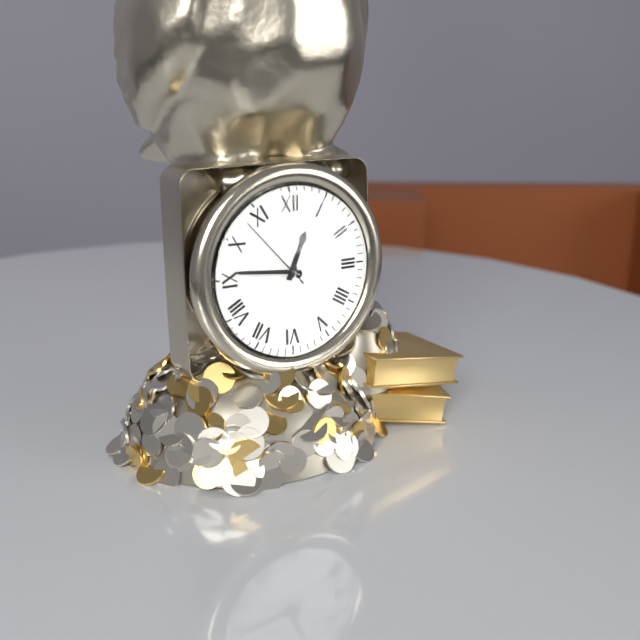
12:46:53
